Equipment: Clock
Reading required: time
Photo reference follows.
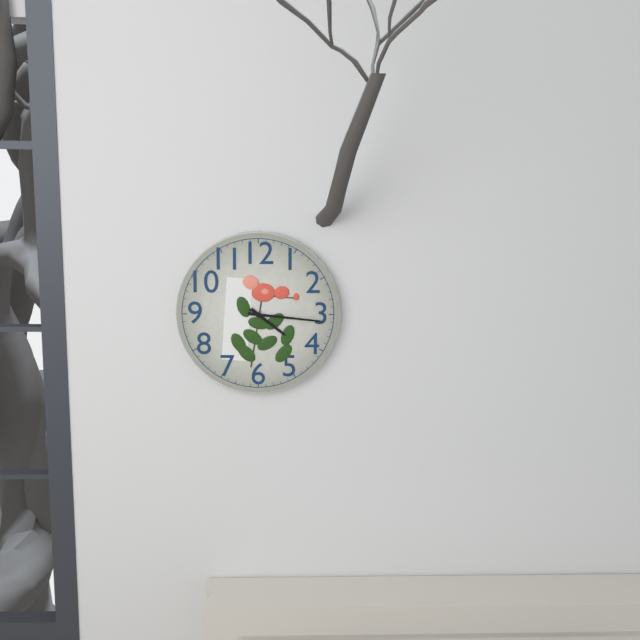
4:16
